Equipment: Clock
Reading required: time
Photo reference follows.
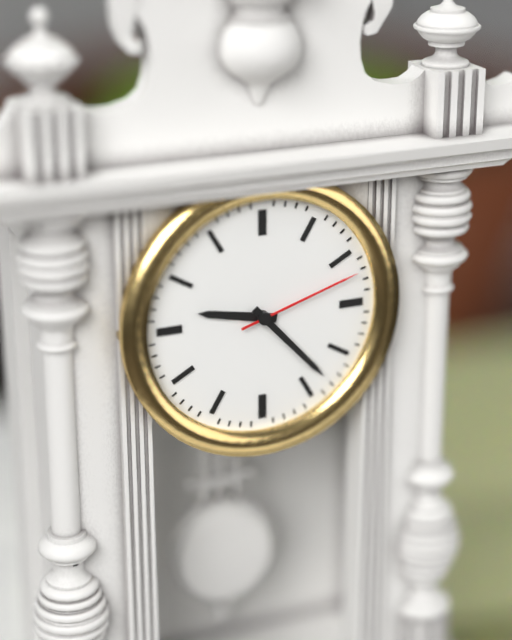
9:23:12
